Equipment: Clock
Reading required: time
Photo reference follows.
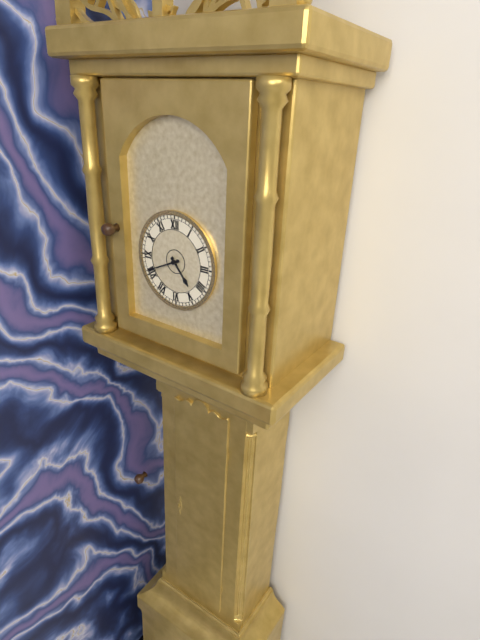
4:41
